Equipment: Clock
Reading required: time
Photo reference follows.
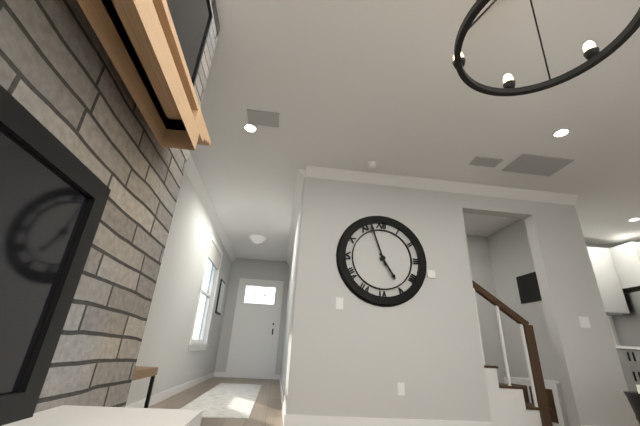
4:57
